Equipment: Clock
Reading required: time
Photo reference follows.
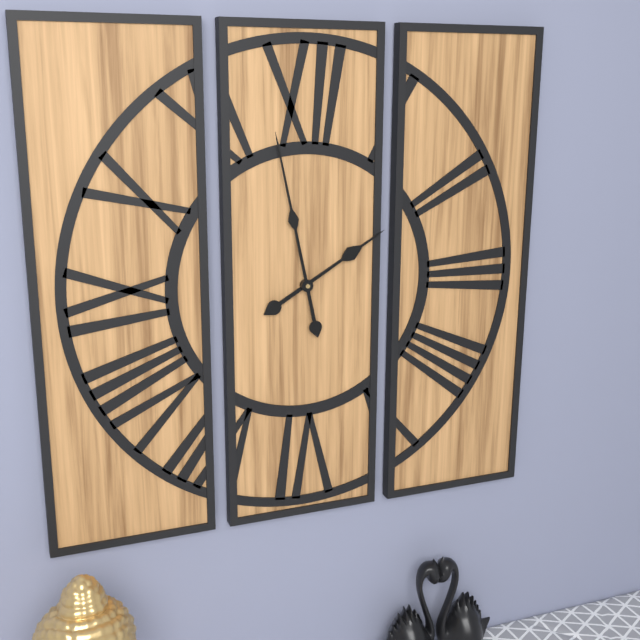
1:58
